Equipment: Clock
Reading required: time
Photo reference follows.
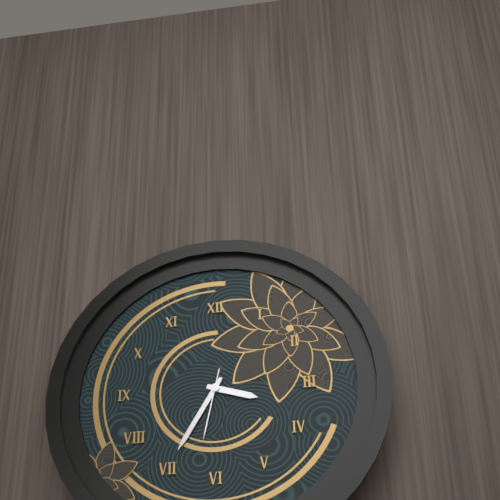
3:35:32
